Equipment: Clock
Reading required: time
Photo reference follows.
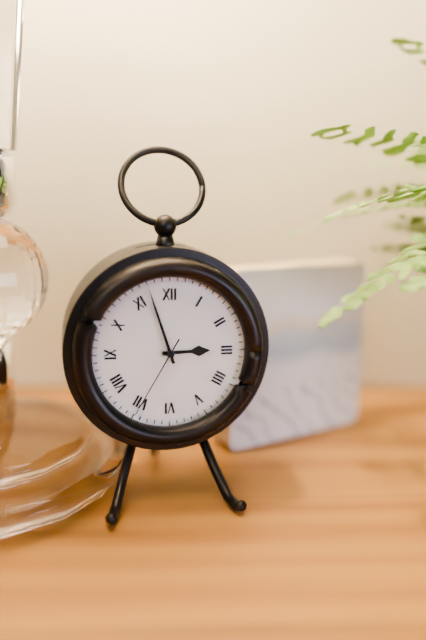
2:57:35
